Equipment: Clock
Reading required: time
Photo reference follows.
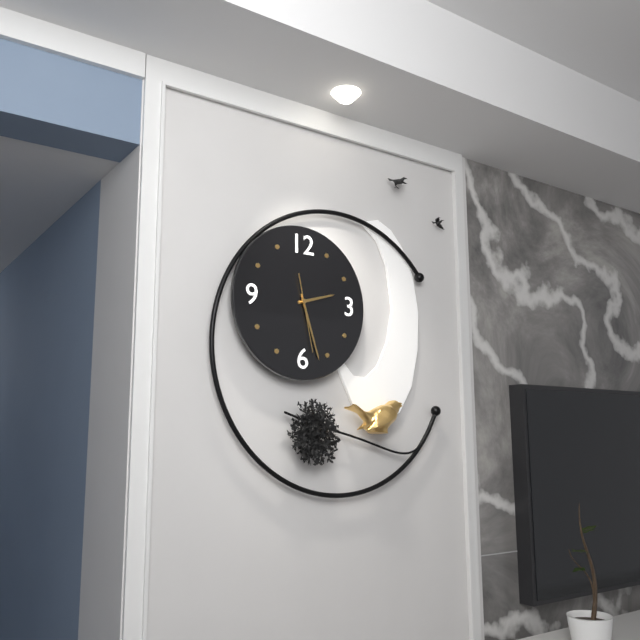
2:27:28
